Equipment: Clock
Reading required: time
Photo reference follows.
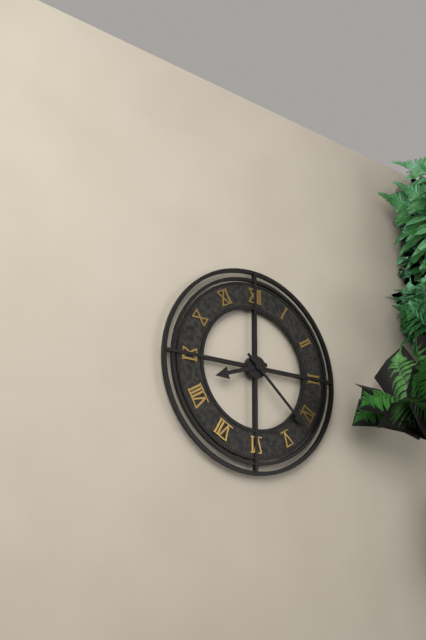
8:22
